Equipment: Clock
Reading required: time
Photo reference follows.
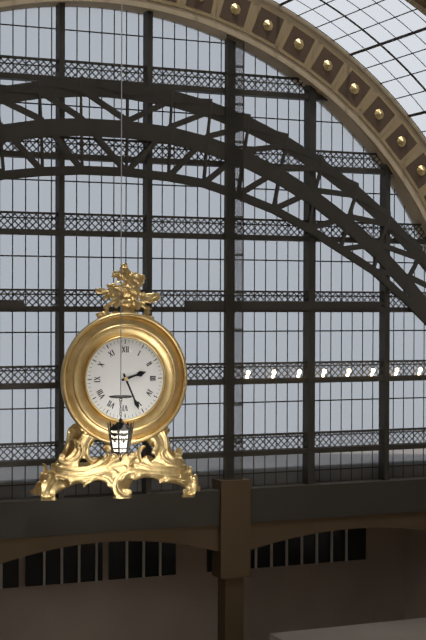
2:26
